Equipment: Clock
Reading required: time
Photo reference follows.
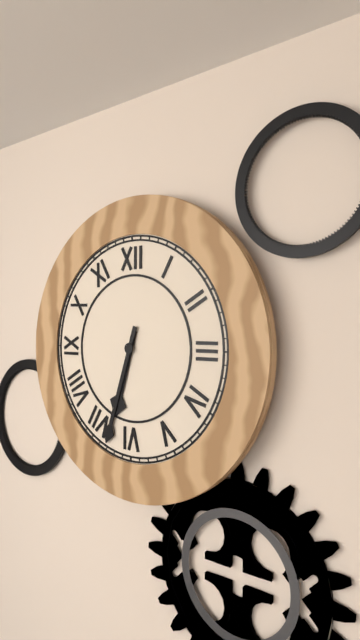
6:33
